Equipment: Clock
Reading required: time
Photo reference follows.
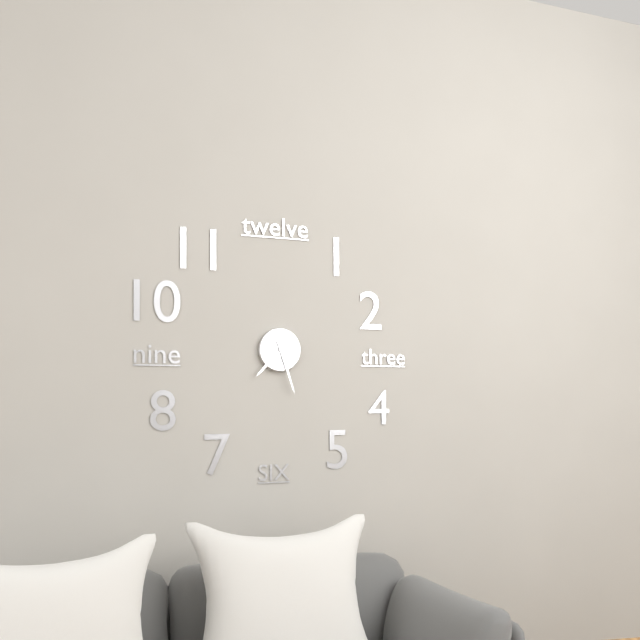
7:27
